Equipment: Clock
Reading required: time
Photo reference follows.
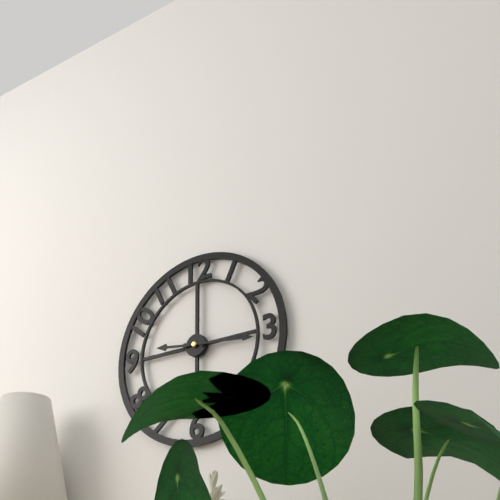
9:16
